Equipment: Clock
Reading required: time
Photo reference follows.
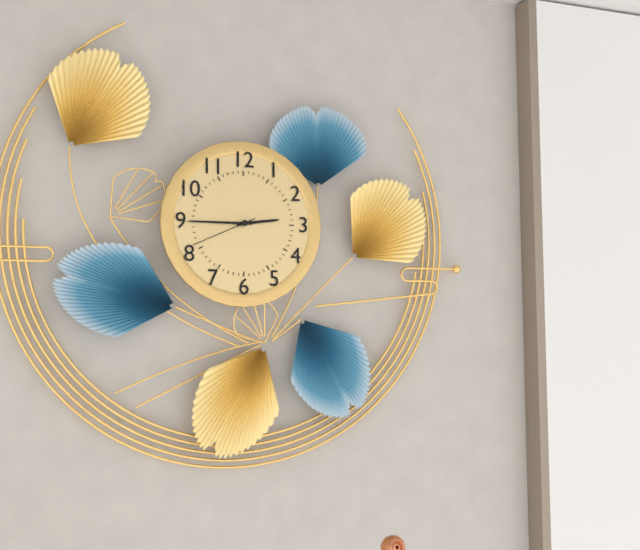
2:45:41
